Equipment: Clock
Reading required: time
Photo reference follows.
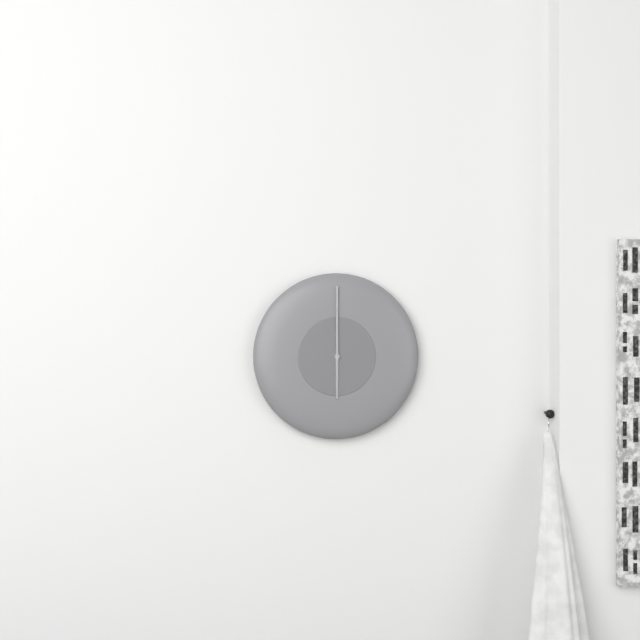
6:00
